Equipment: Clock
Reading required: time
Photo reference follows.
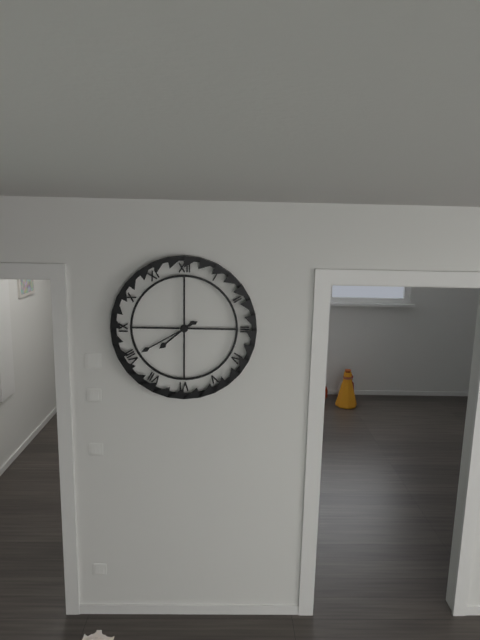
7:40
